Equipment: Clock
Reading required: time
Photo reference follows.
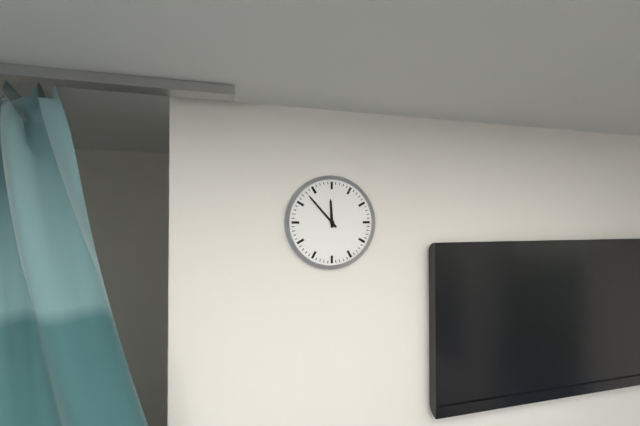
11:53
